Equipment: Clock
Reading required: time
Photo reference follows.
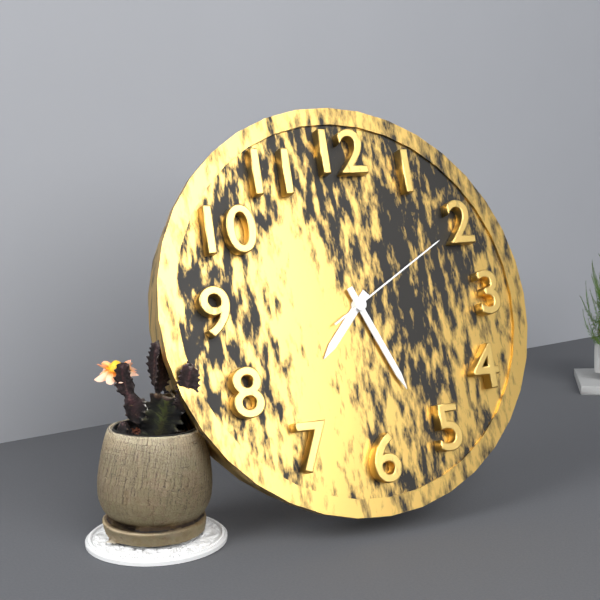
7:26:10
